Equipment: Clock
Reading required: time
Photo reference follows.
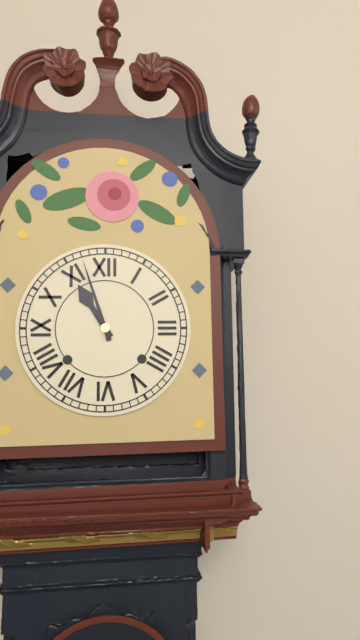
10:57
